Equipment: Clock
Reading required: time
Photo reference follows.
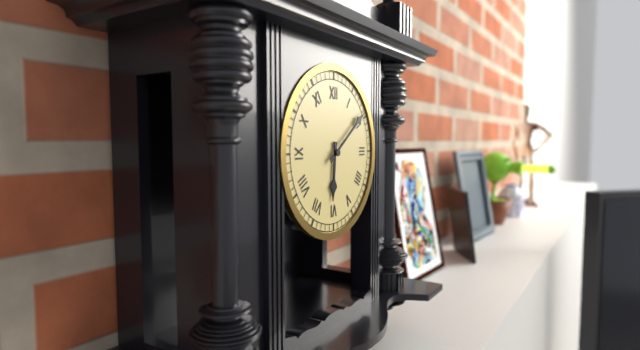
6:09
